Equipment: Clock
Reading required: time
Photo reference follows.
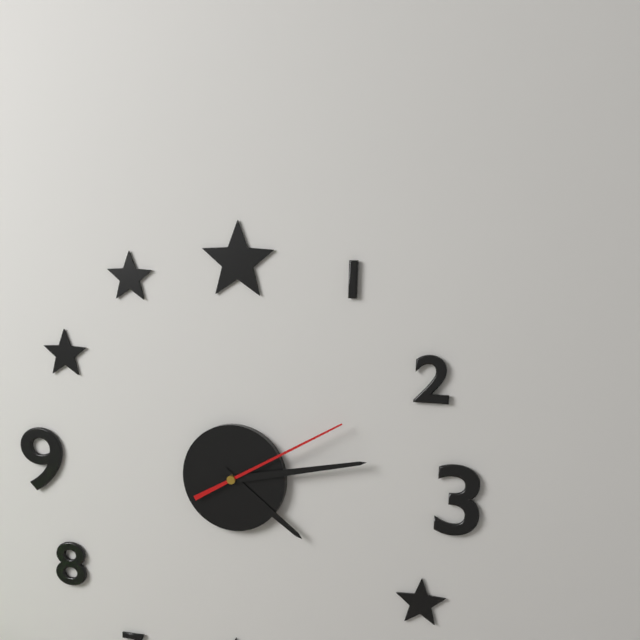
4:13:10
